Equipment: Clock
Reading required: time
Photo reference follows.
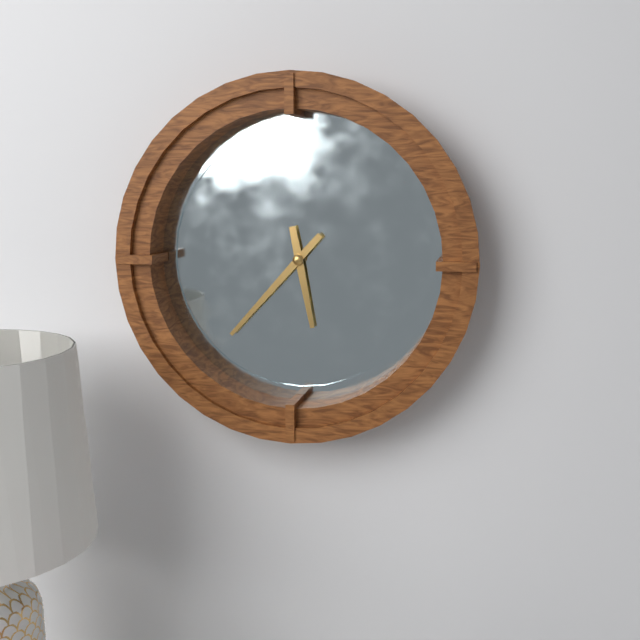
5:37
